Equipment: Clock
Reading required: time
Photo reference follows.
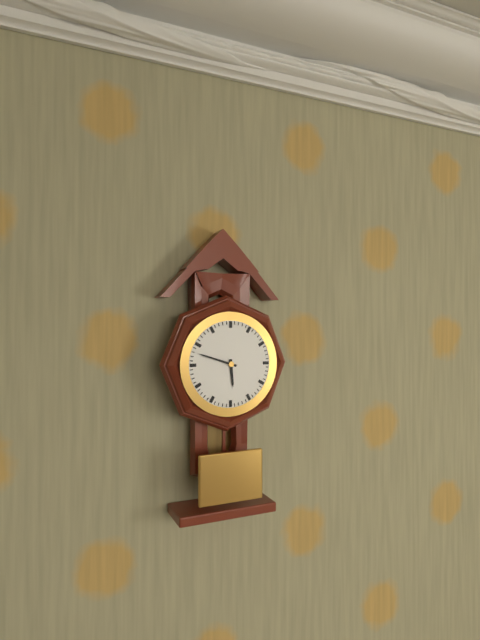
5:48
